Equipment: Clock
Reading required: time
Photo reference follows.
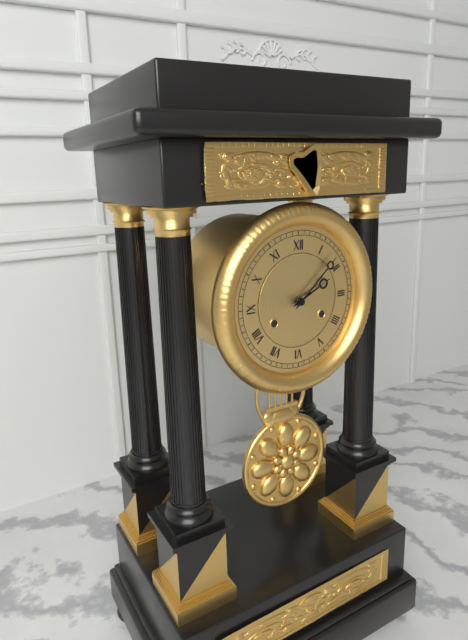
2:08
